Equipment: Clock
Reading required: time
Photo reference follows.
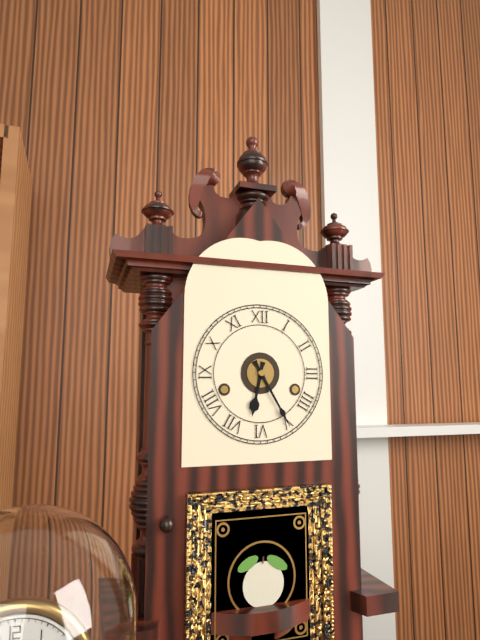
6:25
